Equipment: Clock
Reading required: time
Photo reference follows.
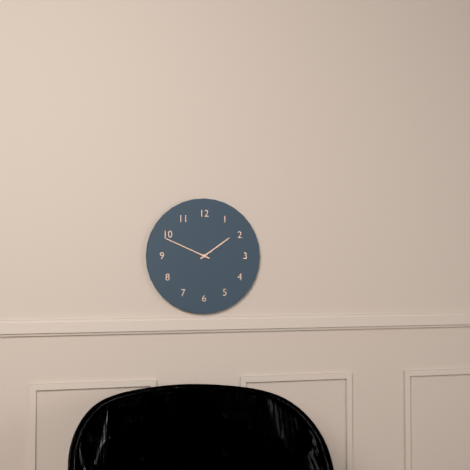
1:49
